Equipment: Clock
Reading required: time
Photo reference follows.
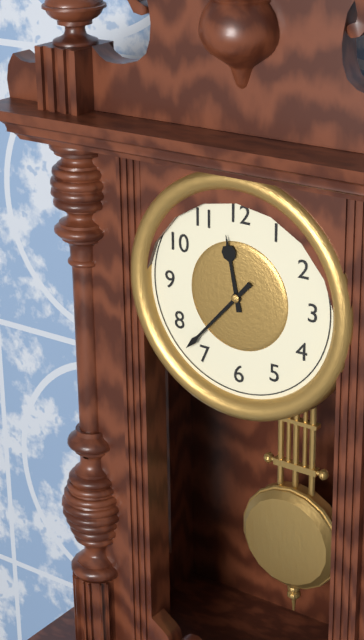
11:37
